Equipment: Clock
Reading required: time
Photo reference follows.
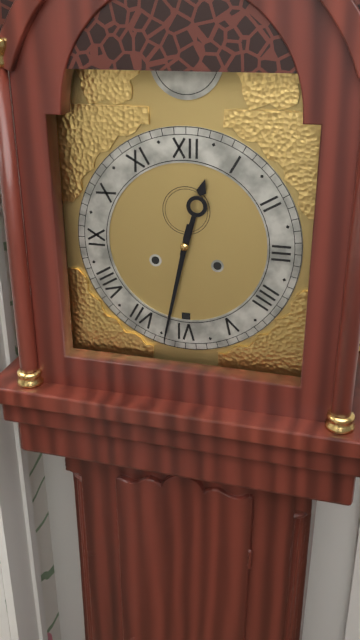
12:32
